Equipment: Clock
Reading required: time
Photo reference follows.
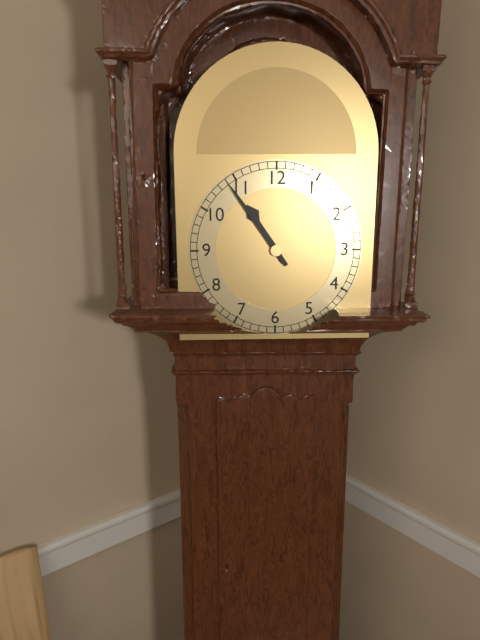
10:54
